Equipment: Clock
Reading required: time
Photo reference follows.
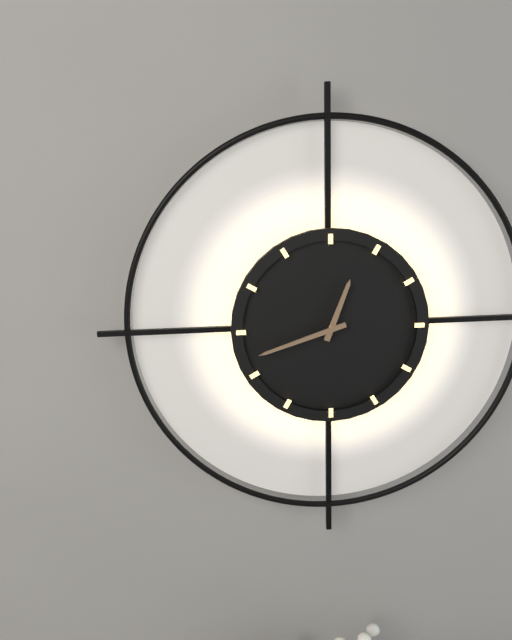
12:42
